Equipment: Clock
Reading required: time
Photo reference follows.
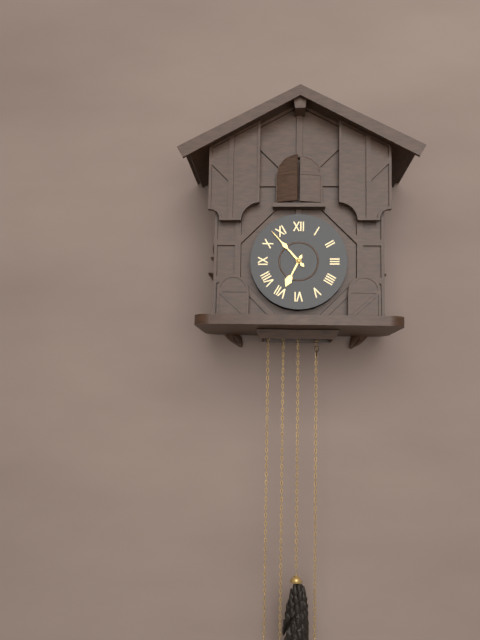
6:53
